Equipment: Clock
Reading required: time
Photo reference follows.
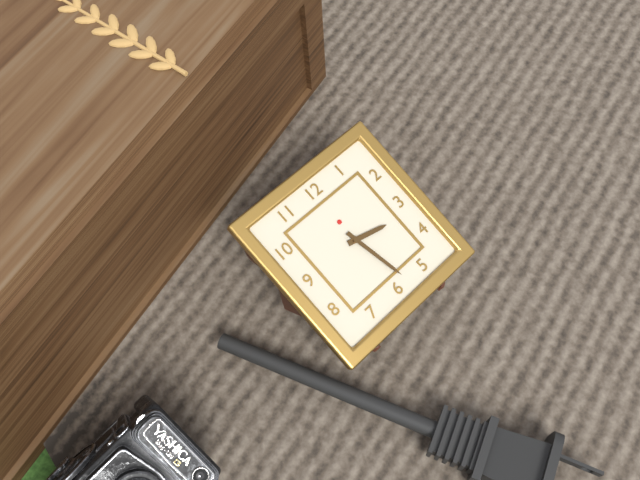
3:28
